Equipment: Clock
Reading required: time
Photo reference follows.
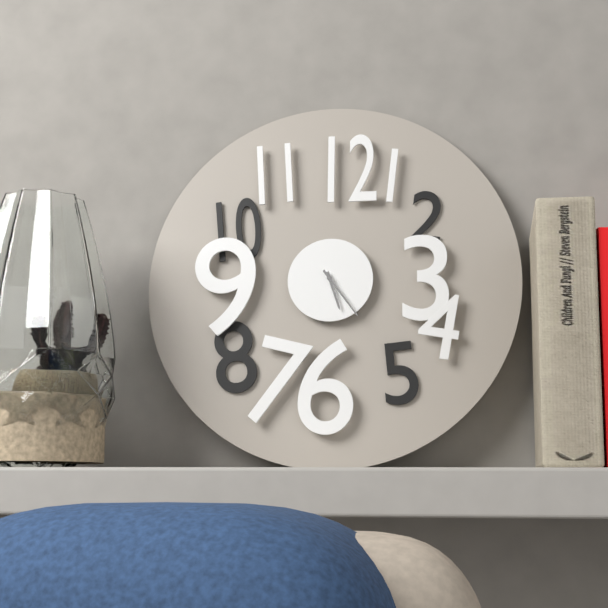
5:24
